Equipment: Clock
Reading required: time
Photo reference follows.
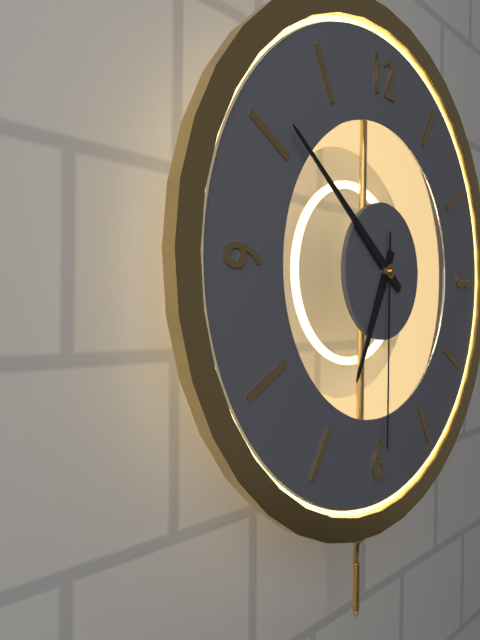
6:51:30
